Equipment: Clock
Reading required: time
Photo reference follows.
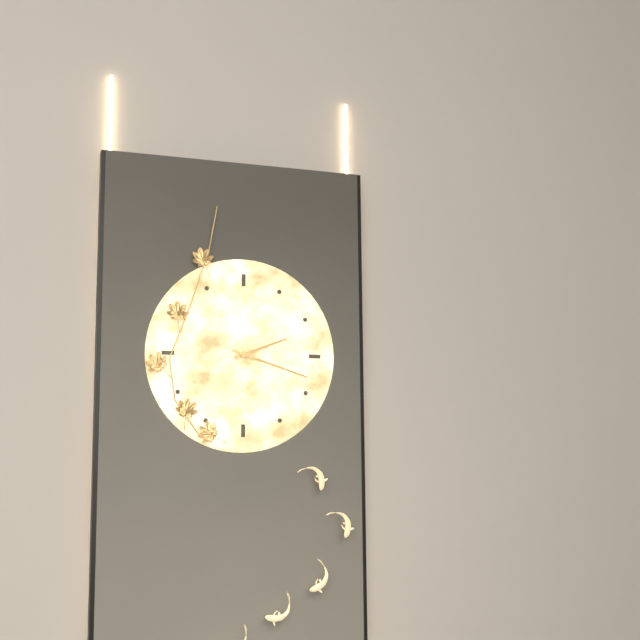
2:18
